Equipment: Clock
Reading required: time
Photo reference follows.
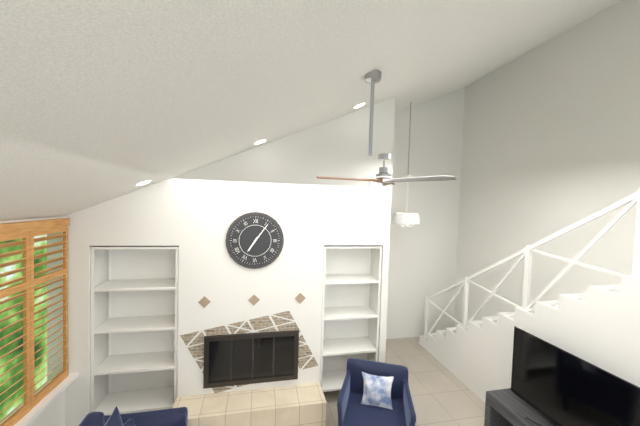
7:06
